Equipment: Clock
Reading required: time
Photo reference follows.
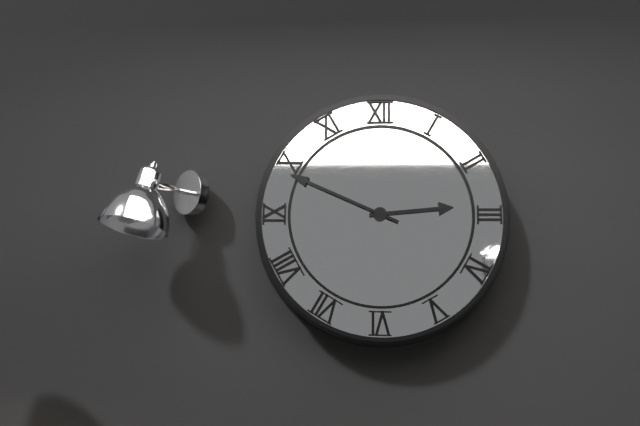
2:49
